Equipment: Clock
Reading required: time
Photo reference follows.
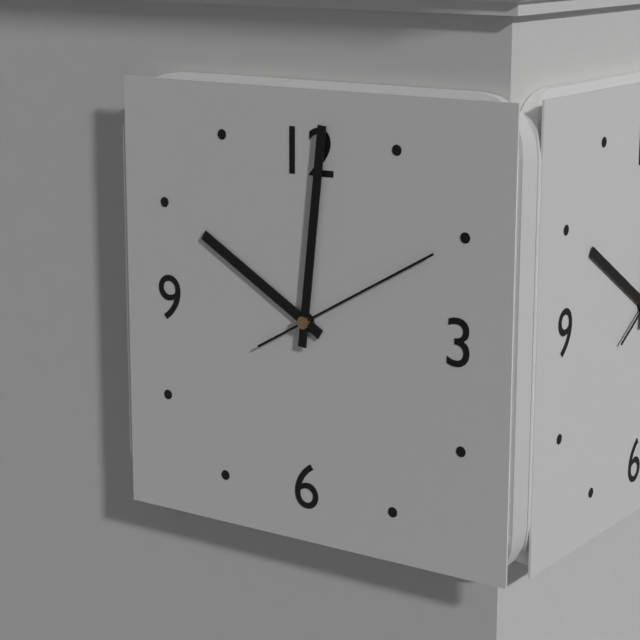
10:01:10
